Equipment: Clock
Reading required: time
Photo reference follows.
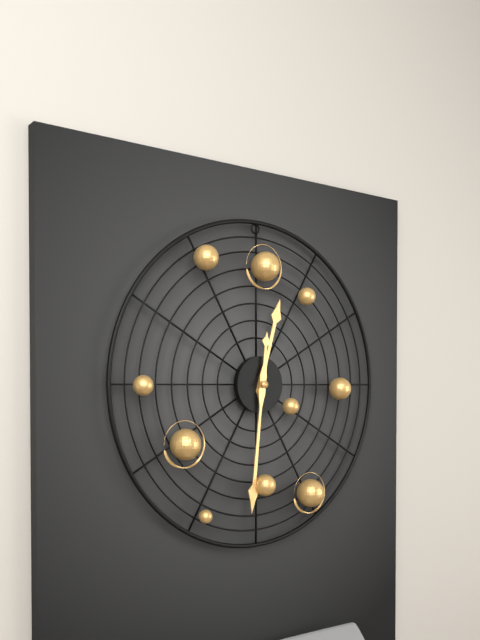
12:31
